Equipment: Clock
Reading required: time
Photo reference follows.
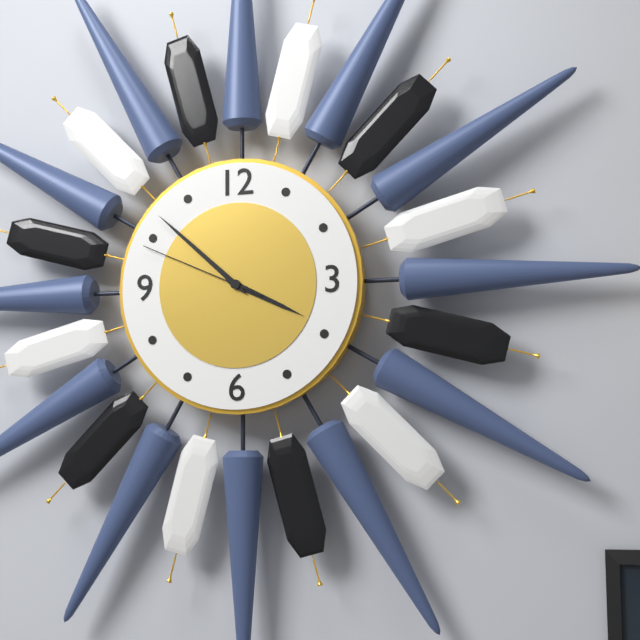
3:52:49
